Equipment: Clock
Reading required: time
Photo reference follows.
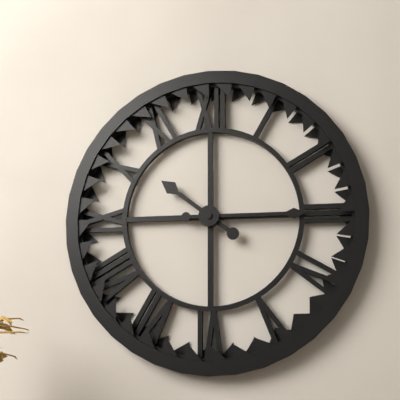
10:15
